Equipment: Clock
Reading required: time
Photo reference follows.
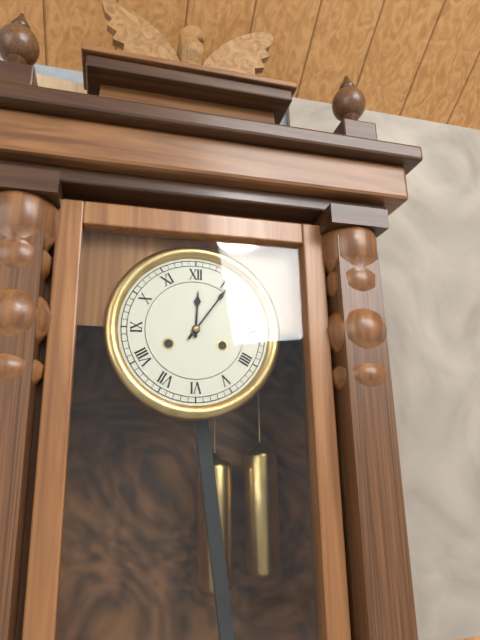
12:06
